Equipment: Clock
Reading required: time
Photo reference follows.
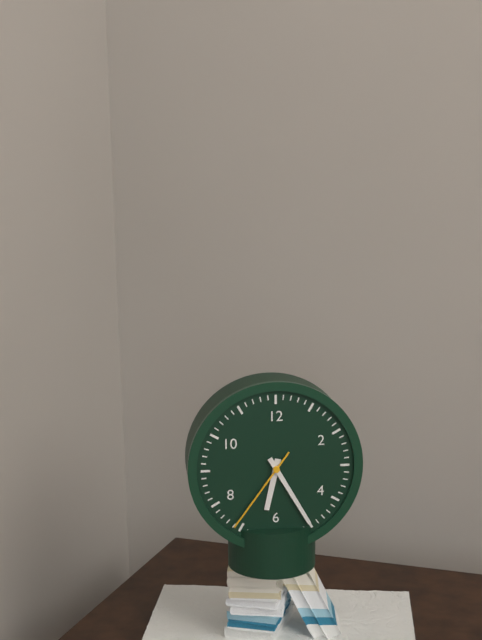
6:25:36
